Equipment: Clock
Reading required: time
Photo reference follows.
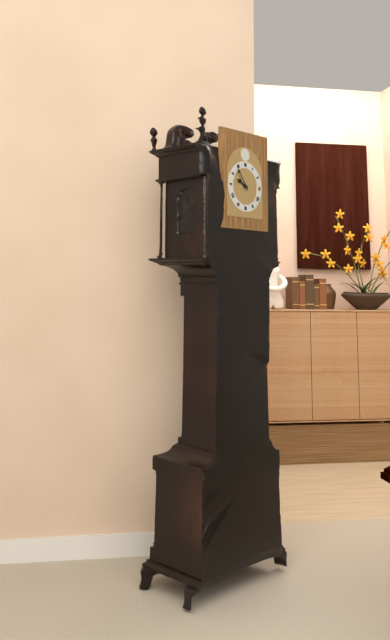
9:54
